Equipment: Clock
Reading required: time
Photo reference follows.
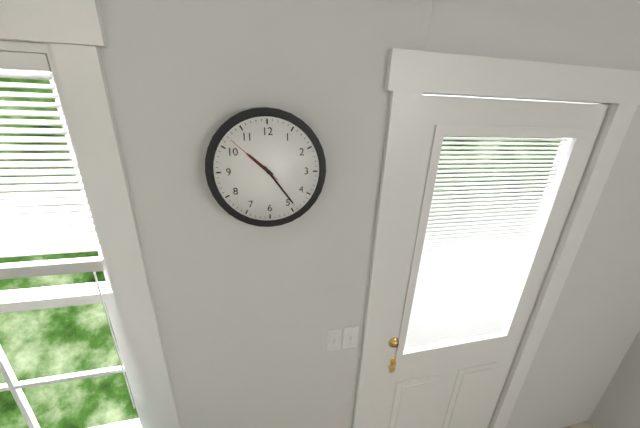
10:24:52
